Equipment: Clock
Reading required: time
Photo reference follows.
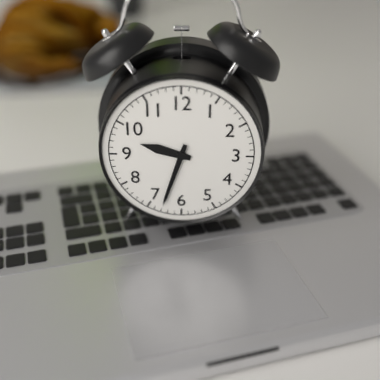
9:33
